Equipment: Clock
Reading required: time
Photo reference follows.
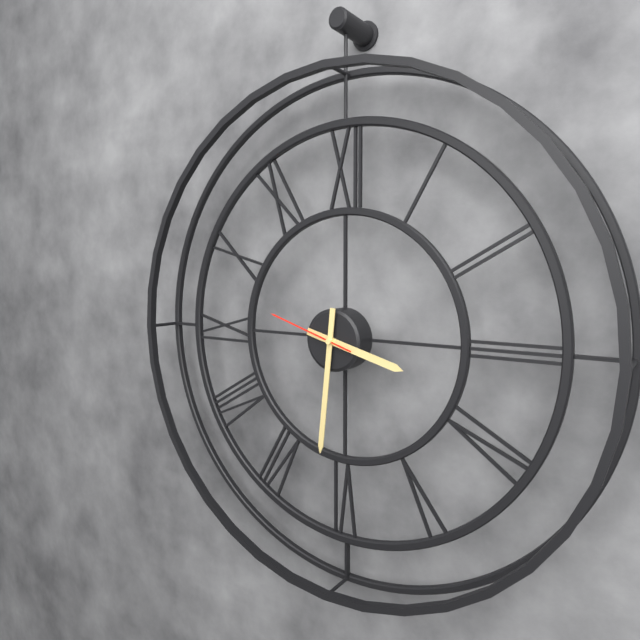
3:31:48
